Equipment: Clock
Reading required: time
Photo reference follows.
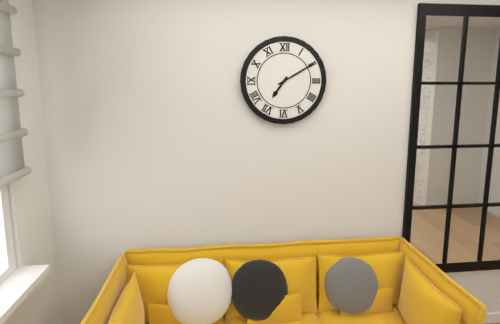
7:10
